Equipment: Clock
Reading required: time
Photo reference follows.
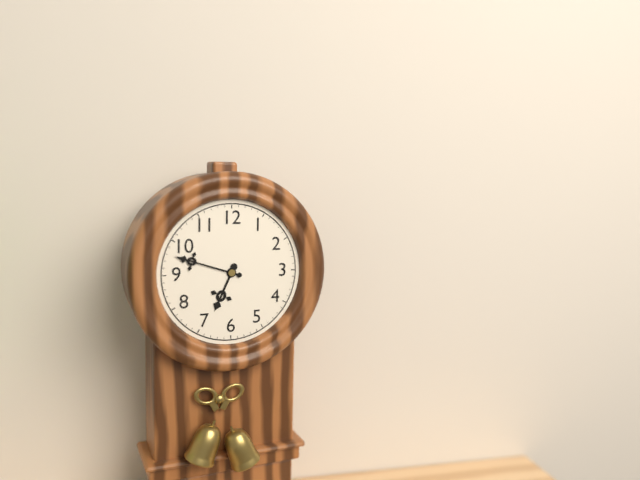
6:48
